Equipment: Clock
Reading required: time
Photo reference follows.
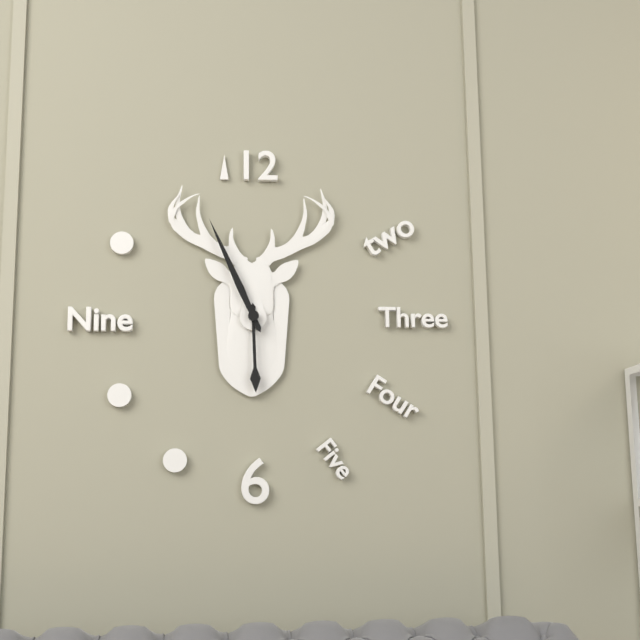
5:56
